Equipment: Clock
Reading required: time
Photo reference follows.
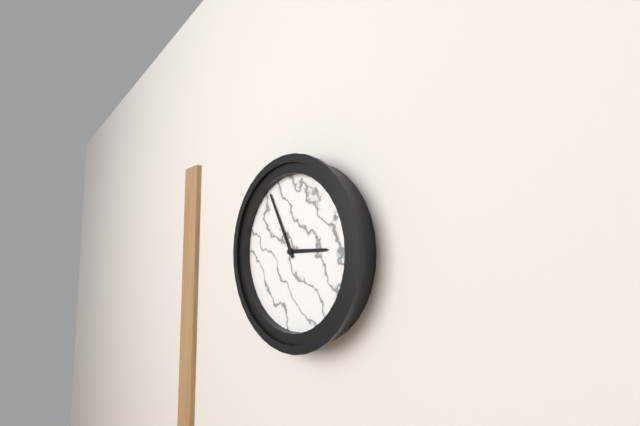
2:55
